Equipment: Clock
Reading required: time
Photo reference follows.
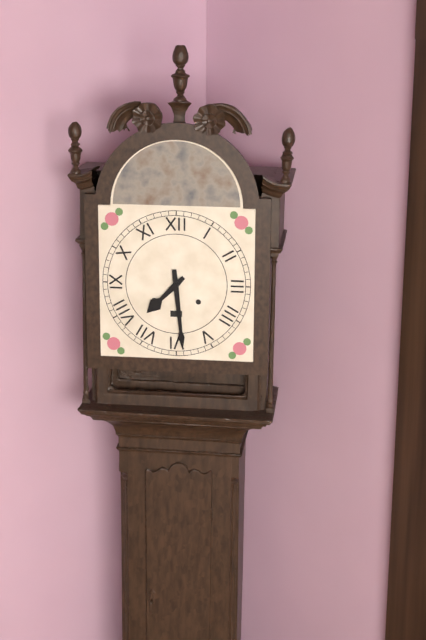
7:29
